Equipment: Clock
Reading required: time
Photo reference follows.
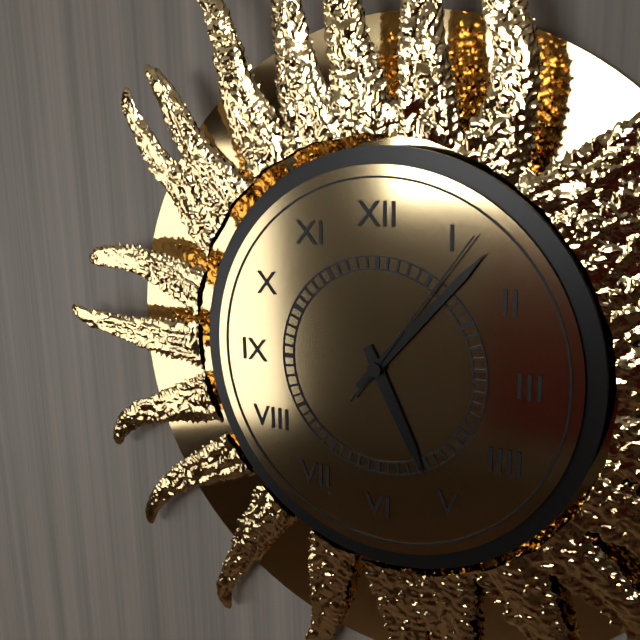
5:07:06
